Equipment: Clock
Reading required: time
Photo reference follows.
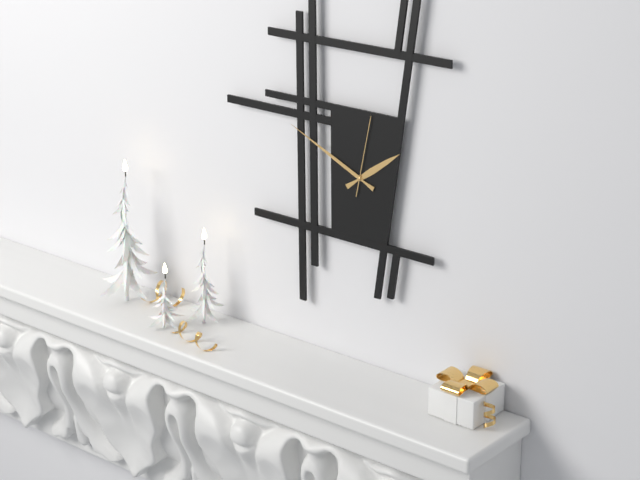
1:49:02
